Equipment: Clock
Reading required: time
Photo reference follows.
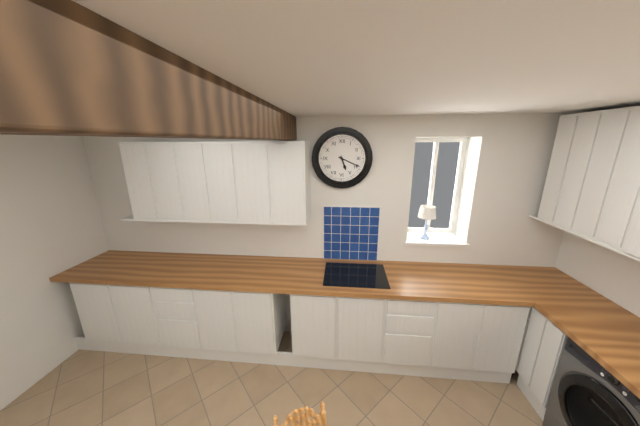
5:19
